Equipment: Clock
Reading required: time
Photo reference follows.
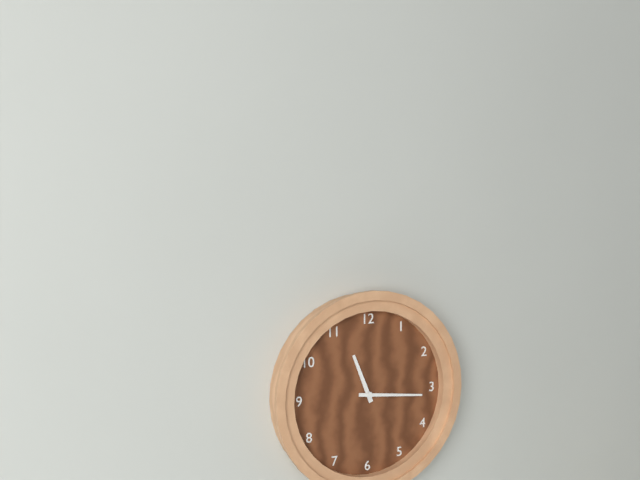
11:16
